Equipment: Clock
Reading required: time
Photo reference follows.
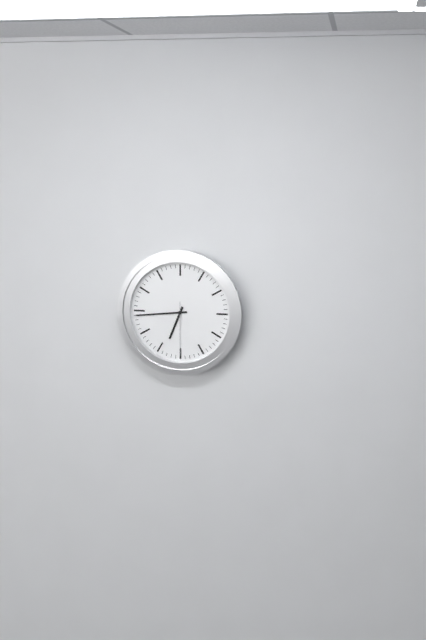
6:44:30
